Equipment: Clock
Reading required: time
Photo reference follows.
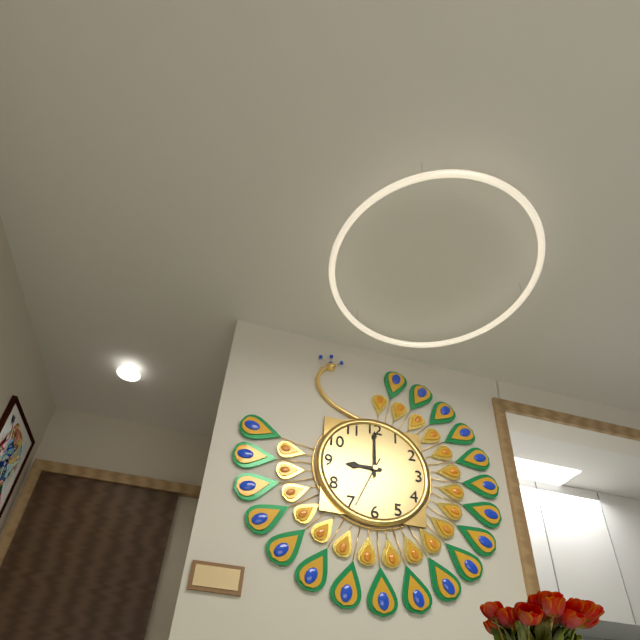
9:00:34
